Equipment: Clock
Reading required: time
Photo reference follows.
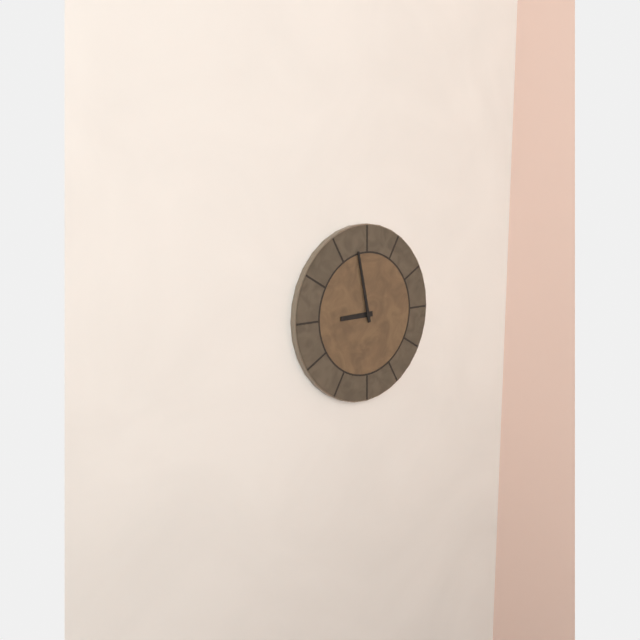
8:58
